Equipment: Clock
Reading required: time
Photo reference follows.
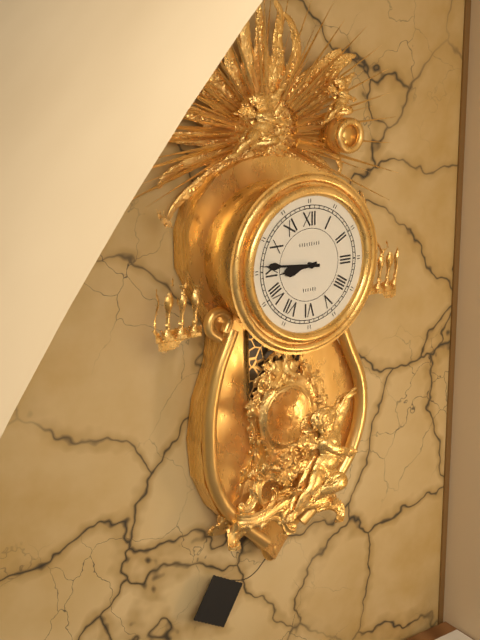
8:46
